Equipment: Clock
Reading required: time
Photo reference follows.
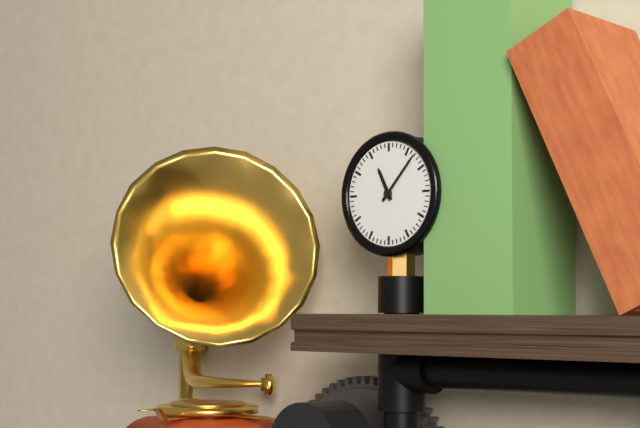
11:07
